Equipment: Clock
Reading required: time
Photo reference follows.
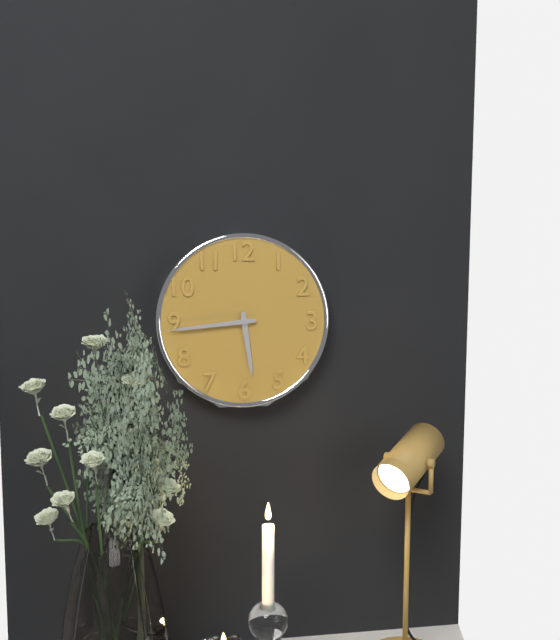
5:44
